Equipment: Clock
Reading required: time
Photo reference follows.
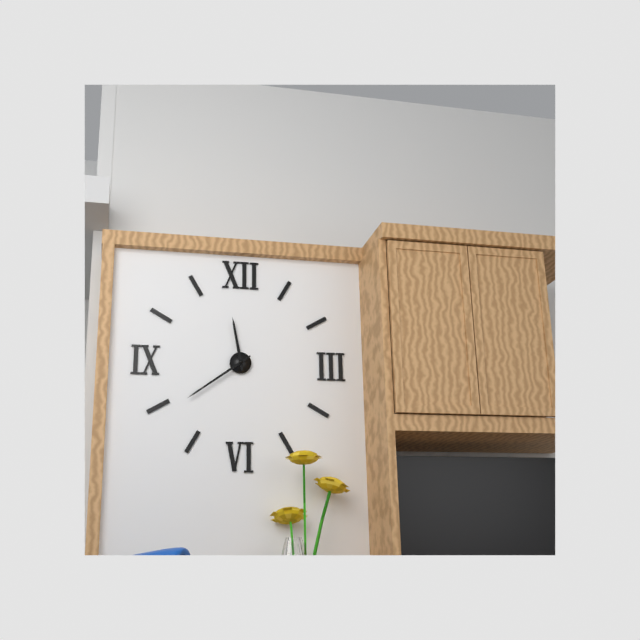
11:39
